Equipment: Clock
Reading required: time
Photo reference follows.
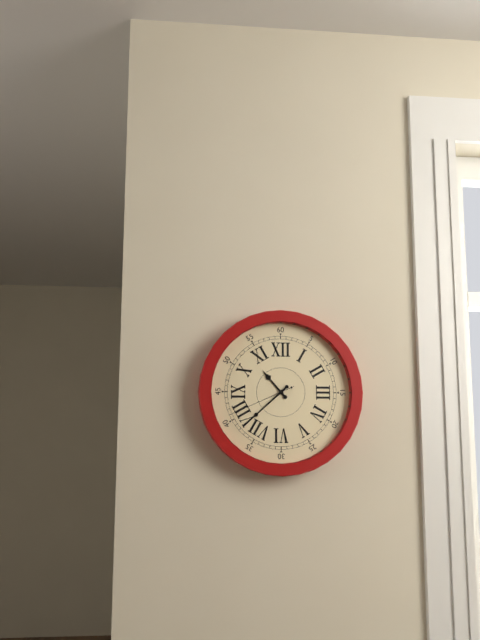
10:38:41
